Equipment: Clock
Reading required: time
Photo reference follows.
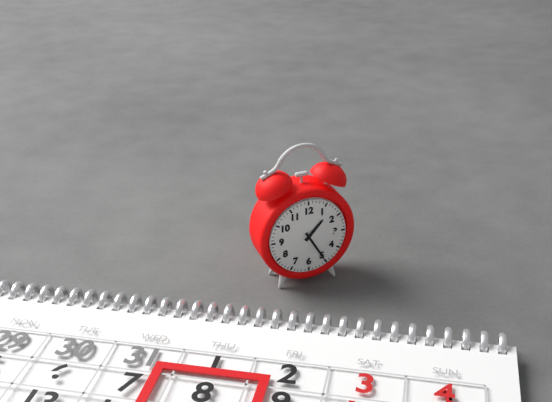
1:25
